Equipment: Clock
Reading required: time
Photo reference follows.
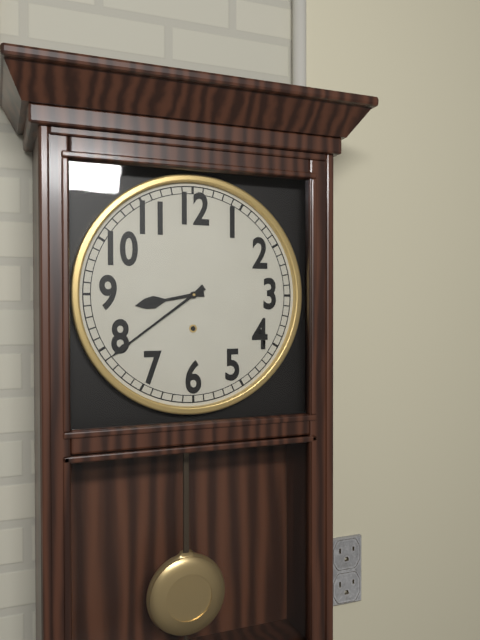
8:39
